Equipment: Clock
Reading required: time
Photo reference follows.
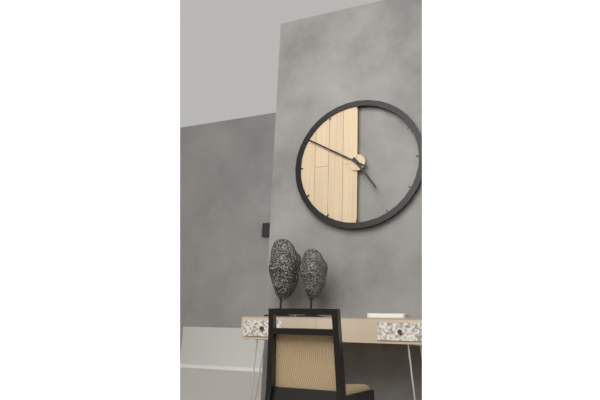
4:50
